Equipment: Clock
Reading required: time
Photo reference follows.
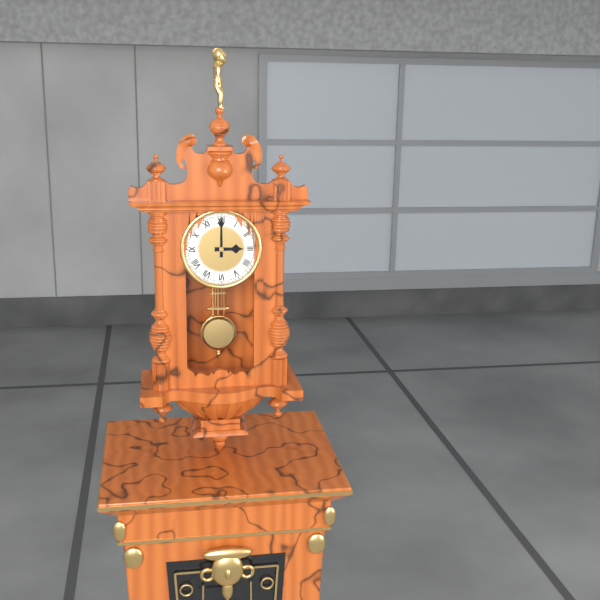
3:00
